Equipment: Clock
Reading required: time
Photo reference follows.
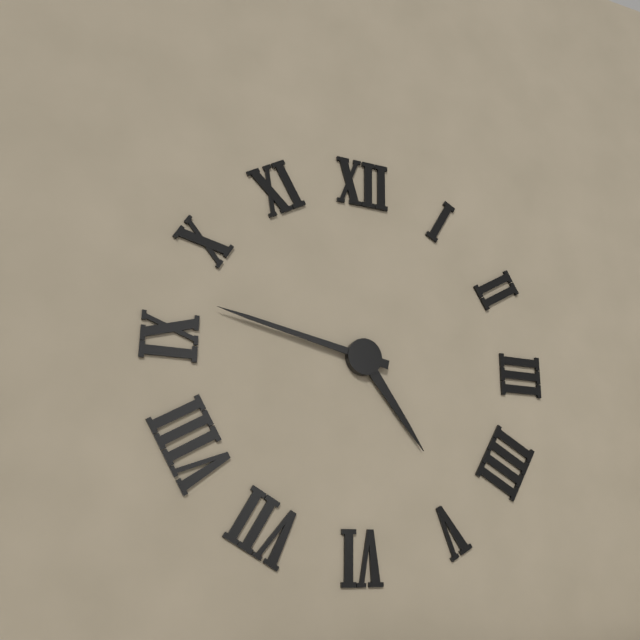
4:47
